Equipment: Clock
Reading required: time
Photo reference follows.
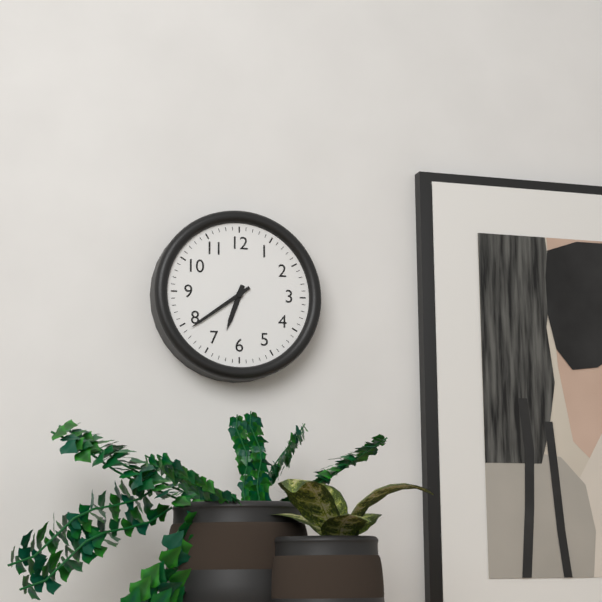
6:39
